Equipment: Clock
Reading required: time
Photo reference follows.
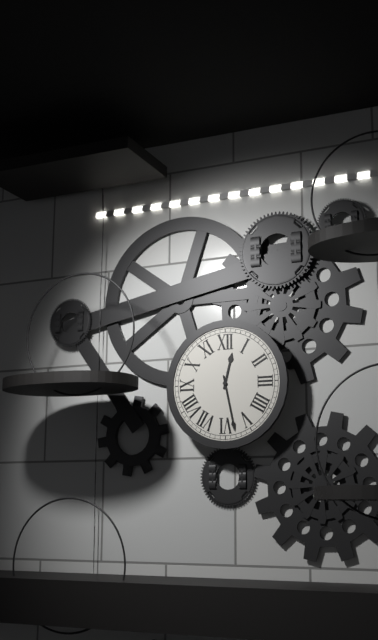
12:28
